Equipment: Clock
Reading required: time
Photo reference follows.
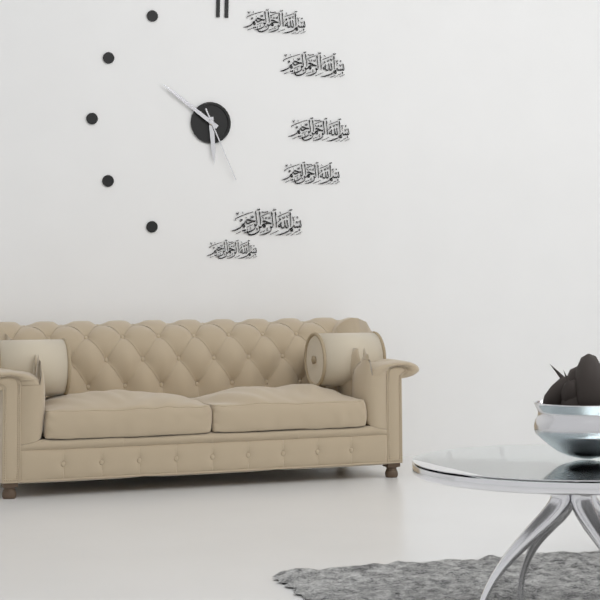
5:51:26
